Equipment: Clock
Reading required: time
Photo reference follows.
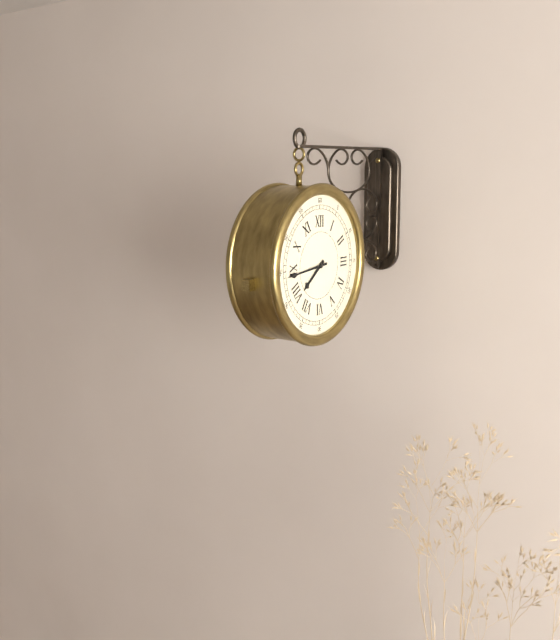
7:44
